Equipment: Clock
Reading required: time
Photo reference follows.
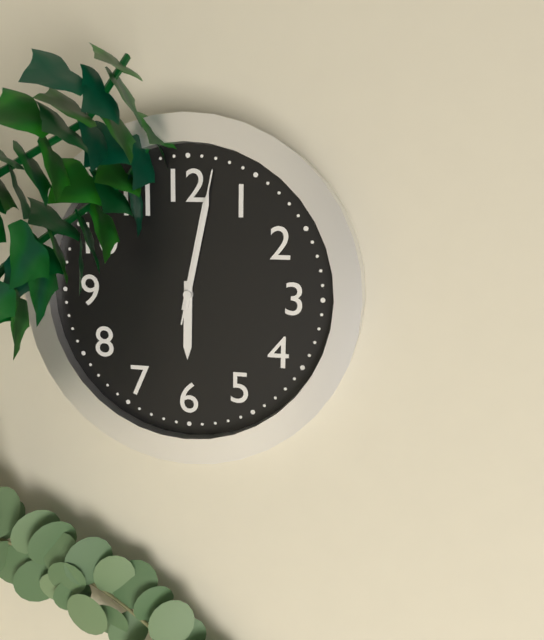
6:02:02
